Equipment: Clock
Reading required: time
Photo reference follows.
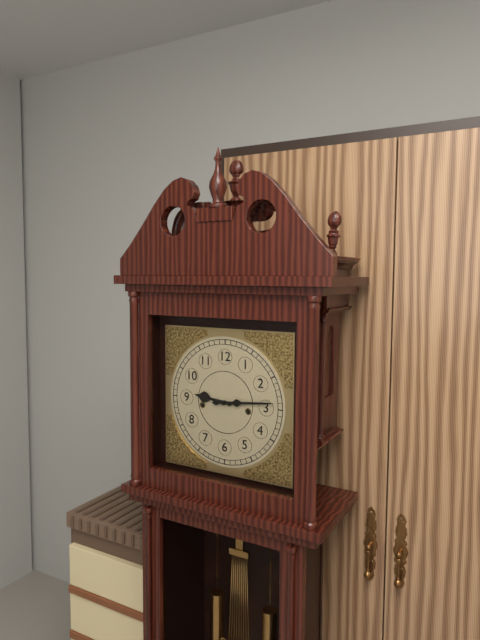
9:14
